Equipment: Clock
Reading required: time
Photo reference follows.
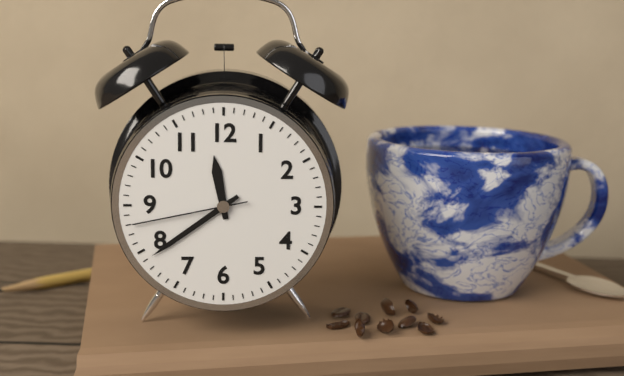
11:39:43
